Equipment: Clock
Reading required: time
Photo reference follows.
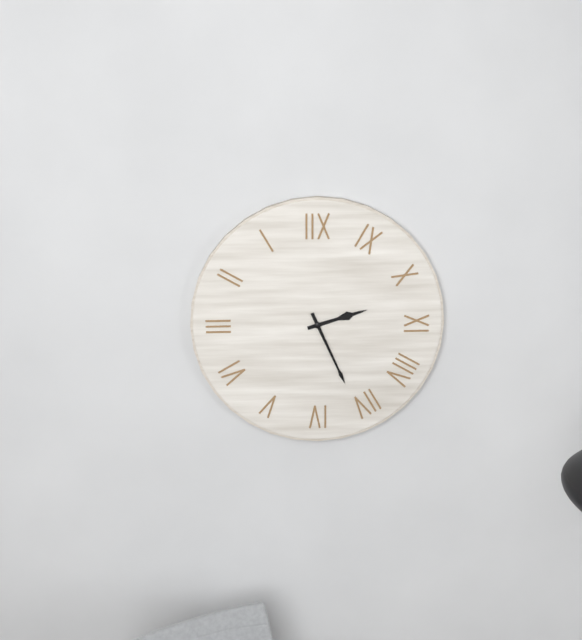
2:26
